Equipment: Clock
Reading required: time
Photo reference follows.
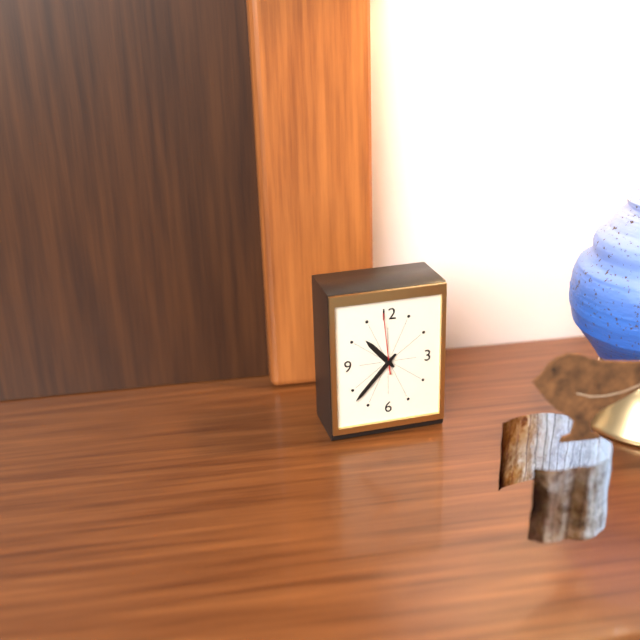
10:37:59
